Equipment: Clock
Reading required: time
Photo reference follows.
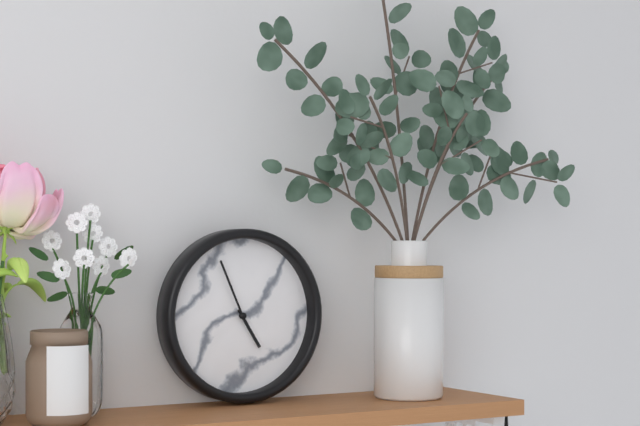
4:56
